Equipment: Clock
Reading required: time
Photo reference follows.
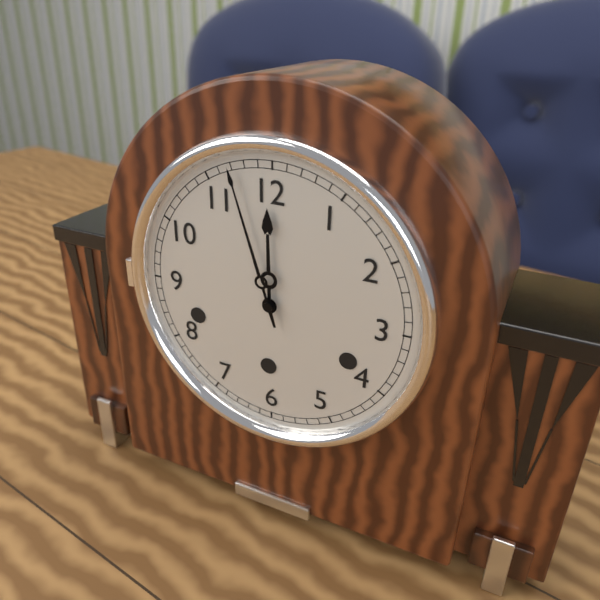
11:57
